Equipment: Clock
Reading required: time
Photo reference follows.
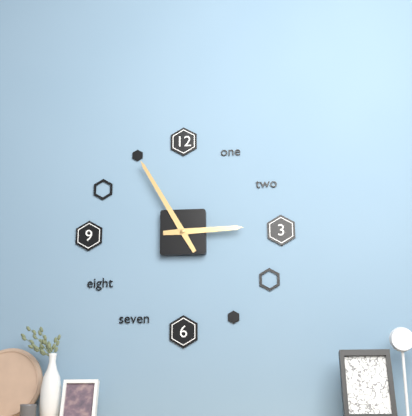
2:55
